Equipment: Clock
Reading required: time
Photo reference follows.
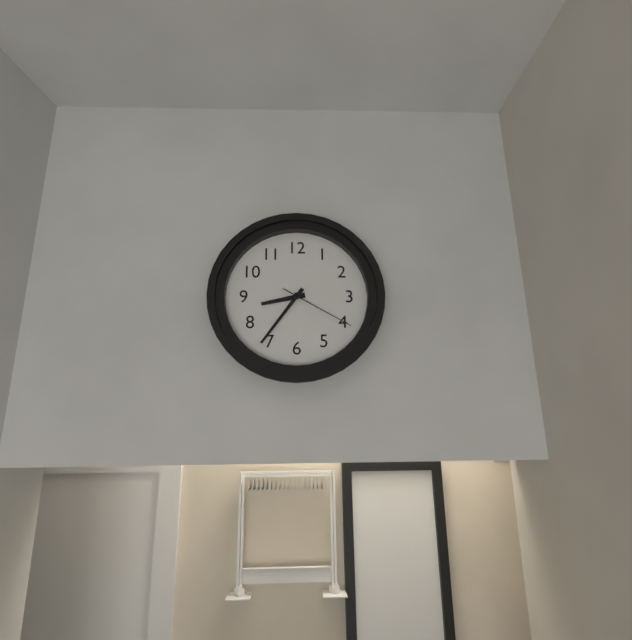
8:36:20
